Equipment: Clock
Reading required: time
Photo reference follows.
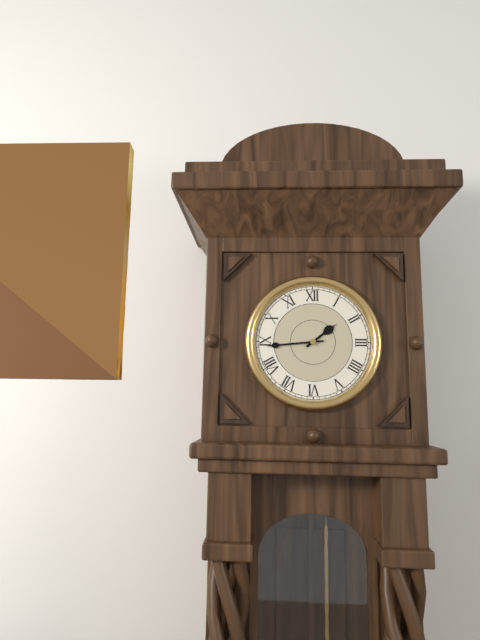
1:44
